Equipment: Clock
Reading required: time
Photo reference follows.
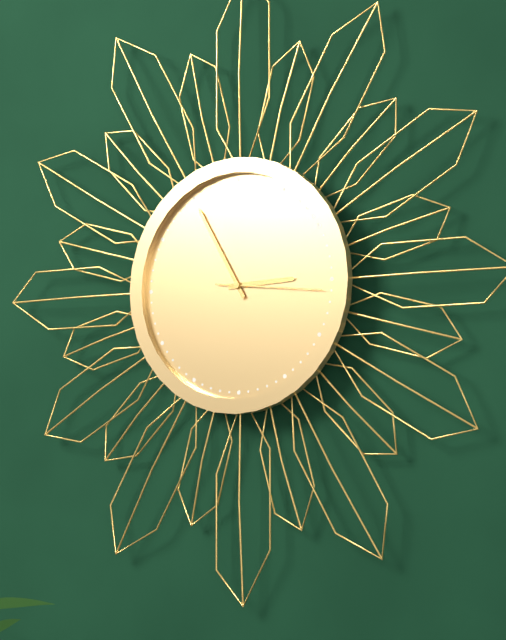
2:55:16
